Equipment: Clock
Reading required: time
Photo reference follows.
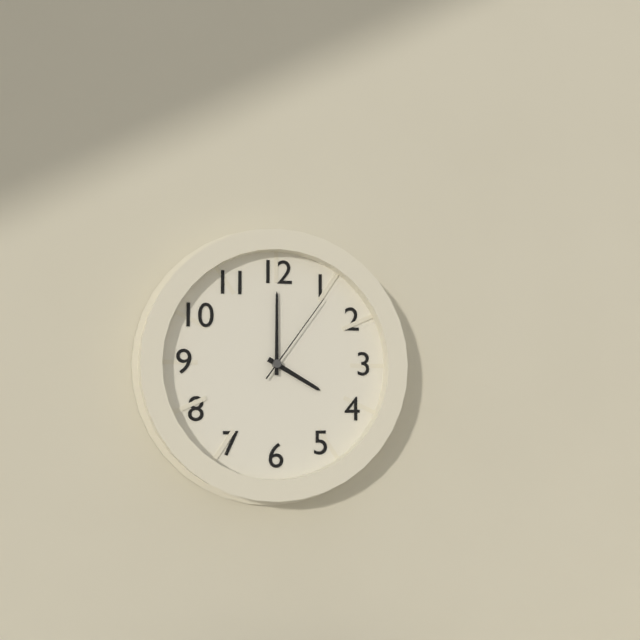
4:00:06
